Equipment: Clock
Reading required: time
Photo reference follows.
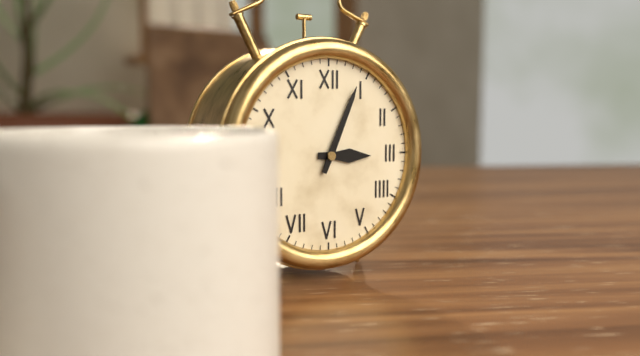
3:04
